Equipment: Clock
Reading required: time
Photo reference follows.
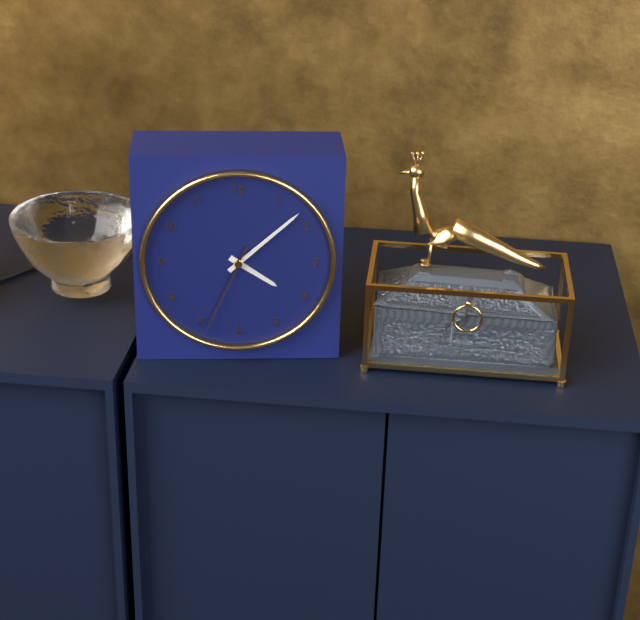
4:08:34
